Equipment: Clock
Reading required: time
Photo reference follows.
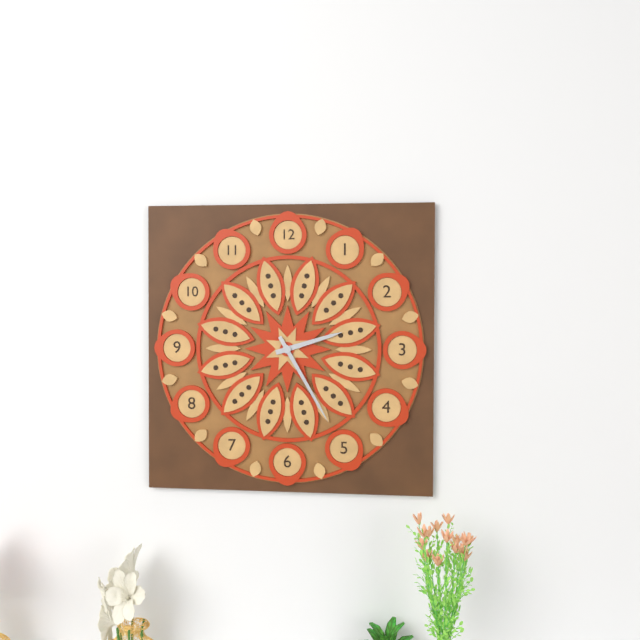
2:25
